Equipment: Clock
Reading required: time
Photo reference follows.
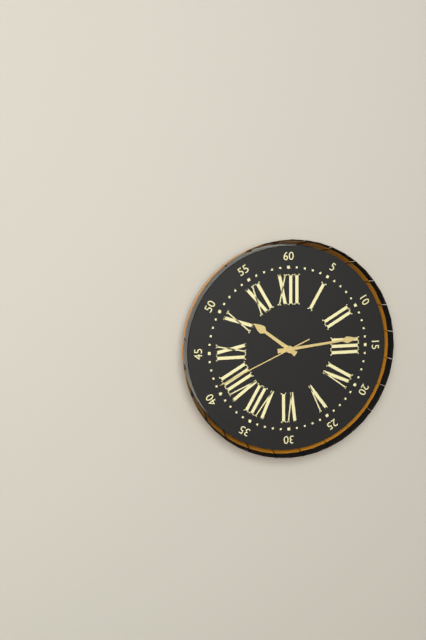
10:14:41
